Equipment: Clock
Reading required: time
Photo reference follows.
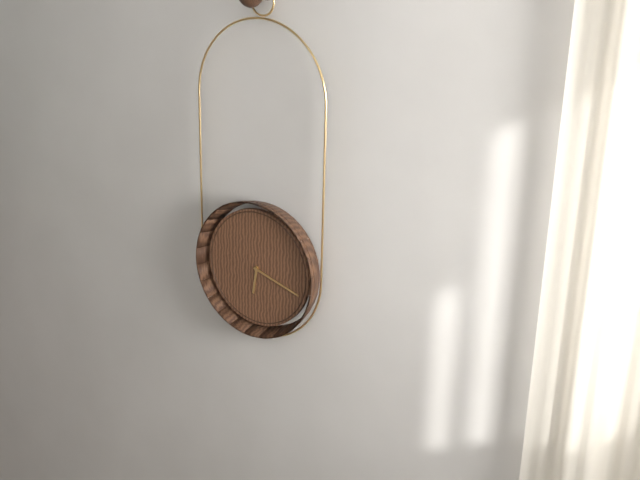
6:18
